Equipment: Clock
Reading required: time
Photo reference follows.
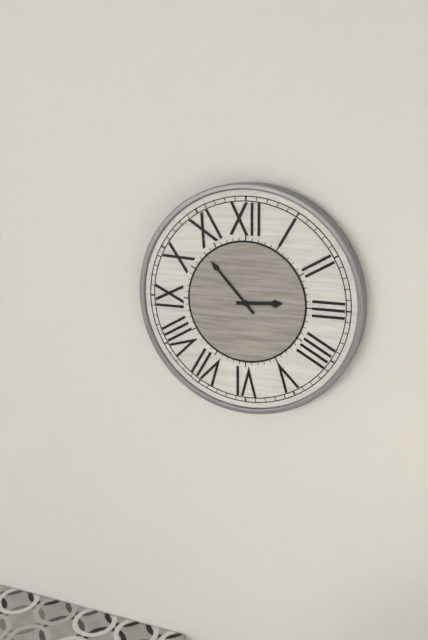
2:53
